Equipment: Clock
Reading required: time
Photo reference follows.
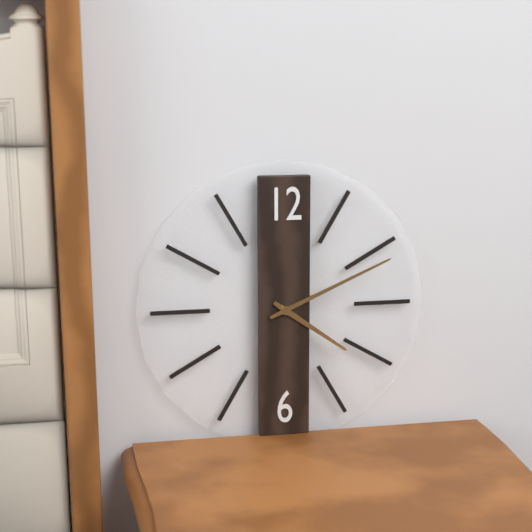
4:11
